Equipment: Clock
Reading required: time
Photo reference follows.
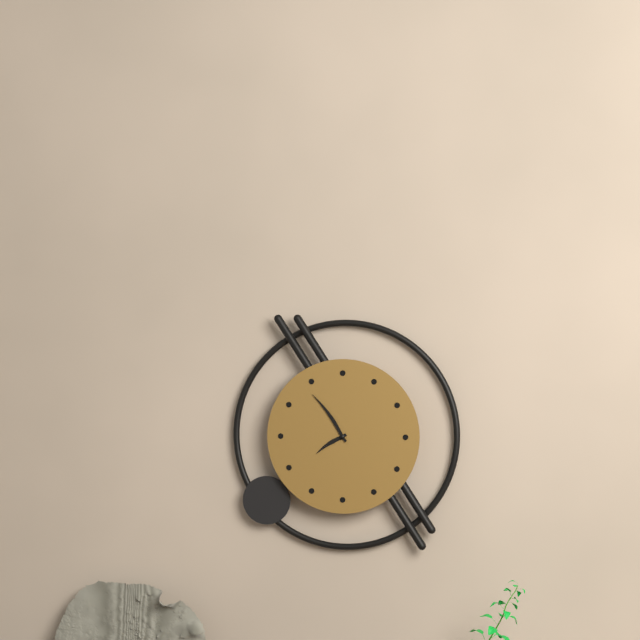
7:54
